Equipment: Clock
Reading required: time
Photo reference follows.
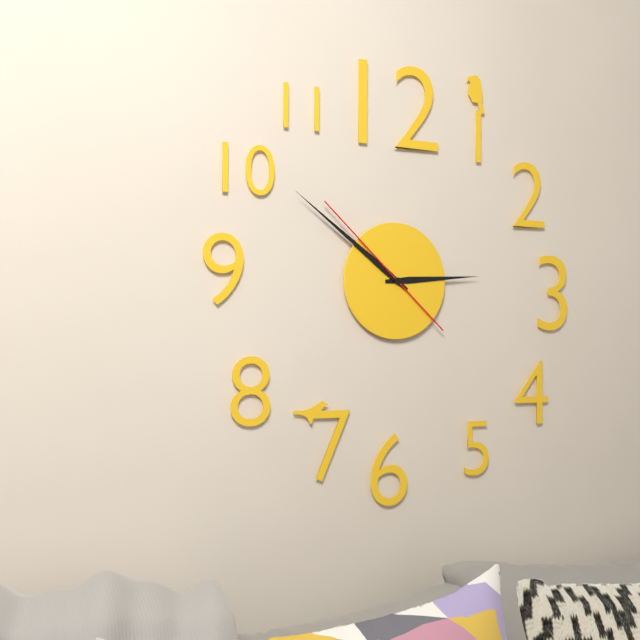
2:51:52
